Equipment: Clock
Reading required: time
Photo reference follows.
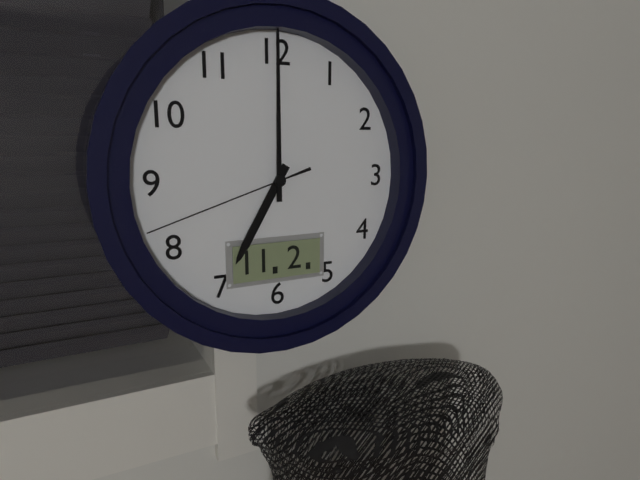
7:00:42
